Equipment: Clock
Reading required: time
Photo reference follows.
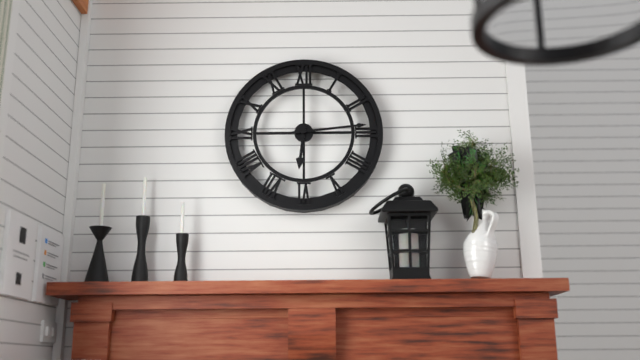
6:14
